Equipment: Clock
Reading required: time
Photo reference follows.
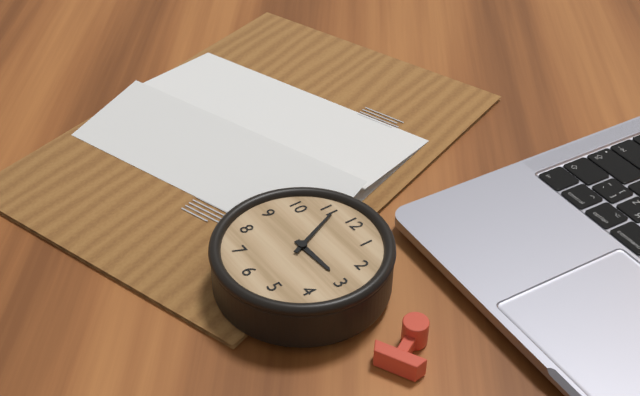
2:56
